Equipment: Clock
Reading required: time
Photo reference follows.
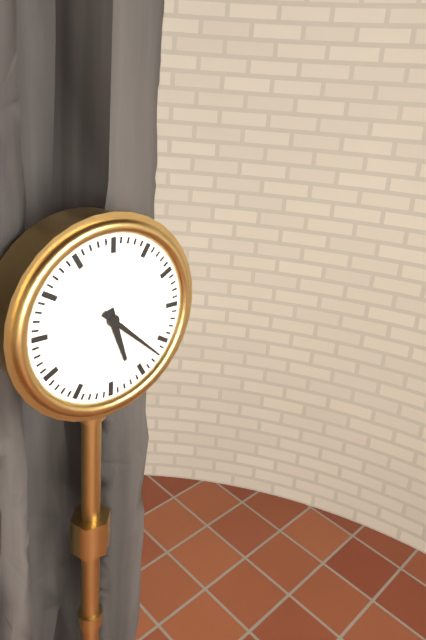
5:22
